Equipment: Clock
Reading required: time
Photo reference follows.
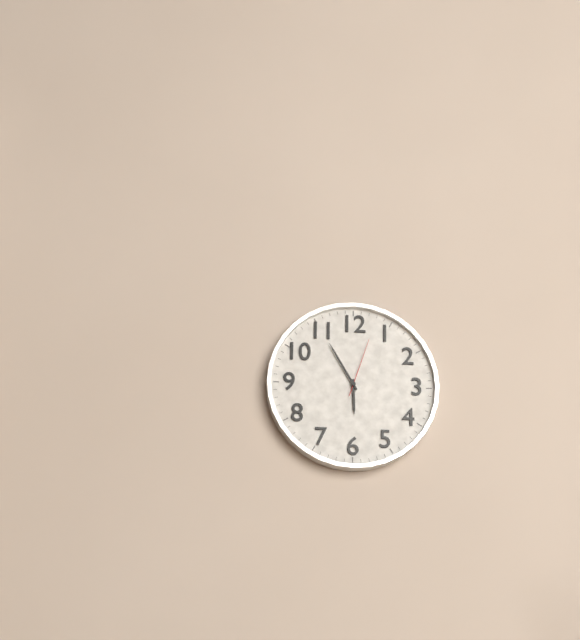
5:55:03
